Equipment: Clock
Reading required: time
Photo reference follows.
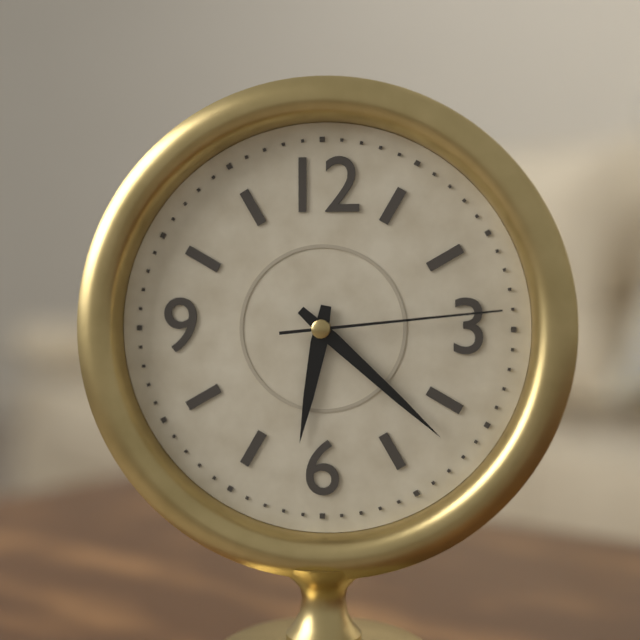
6:22:14
